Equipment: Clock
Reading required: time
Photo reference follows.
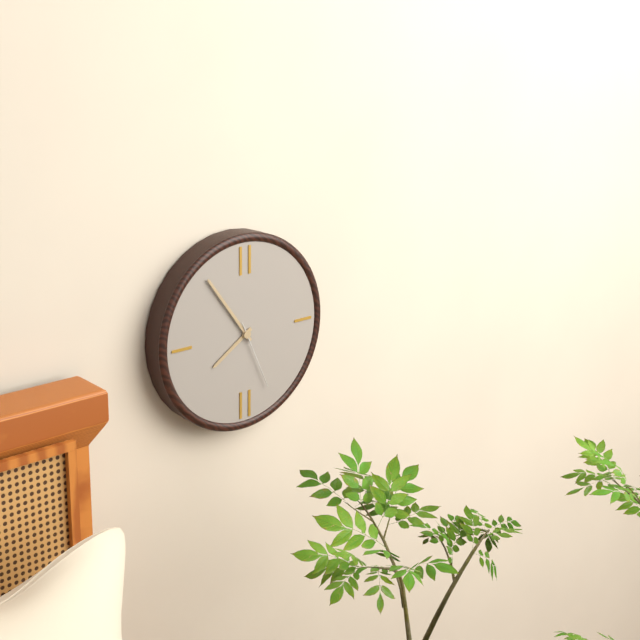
7:54:26
